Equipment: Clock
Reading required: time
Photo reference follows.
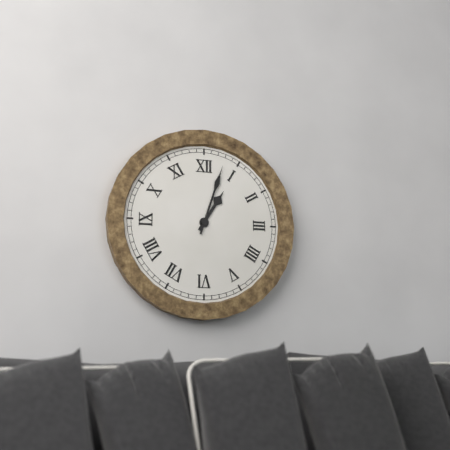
1:03
